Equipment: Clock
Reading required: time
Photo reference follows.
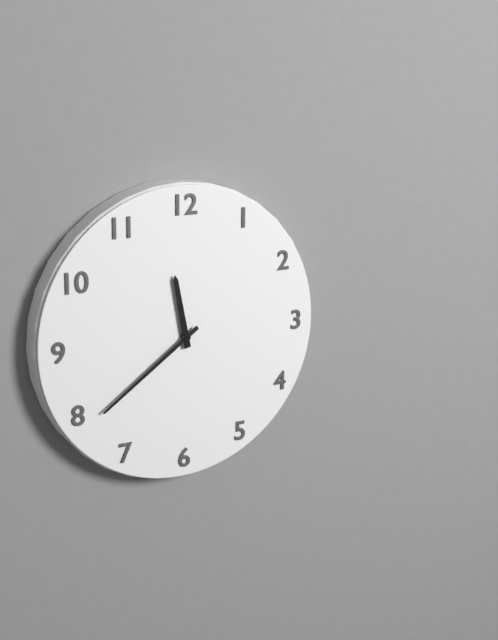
11:39
